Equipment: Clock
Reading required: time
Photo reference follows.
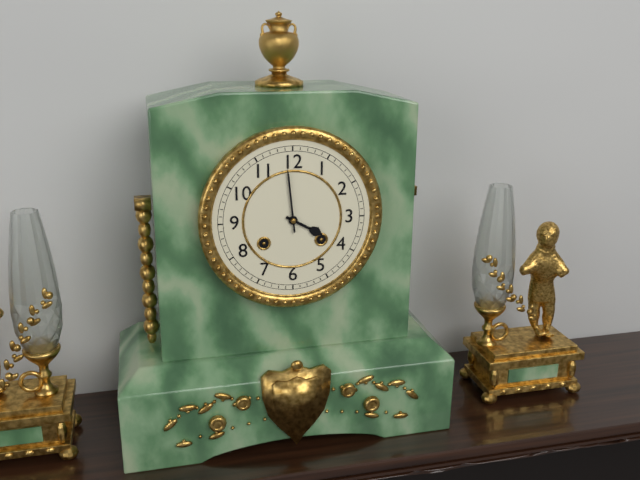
3:59
